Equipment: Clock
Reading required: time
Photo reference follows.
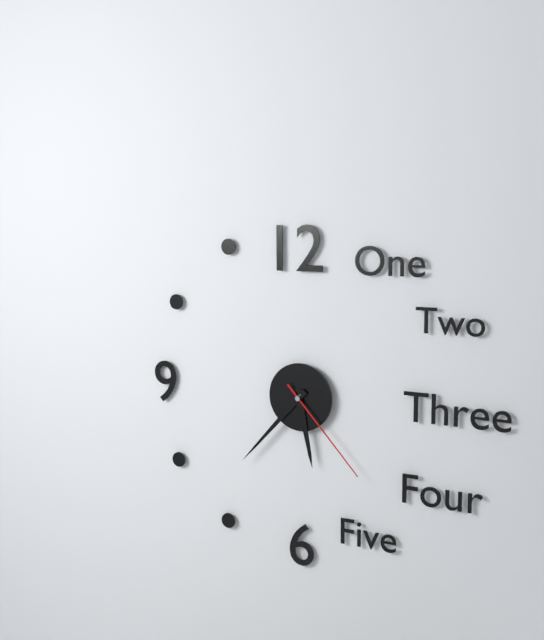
5:37:23
